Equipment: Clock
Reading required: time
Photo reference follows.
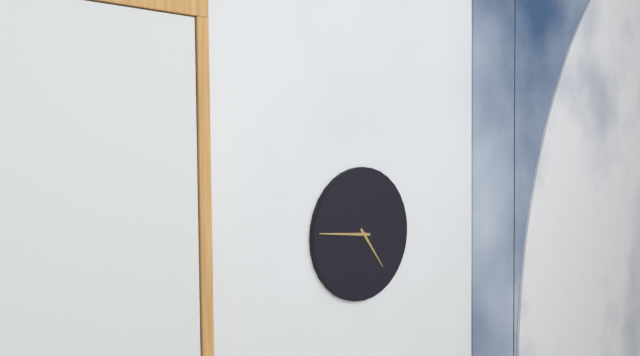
4:46
